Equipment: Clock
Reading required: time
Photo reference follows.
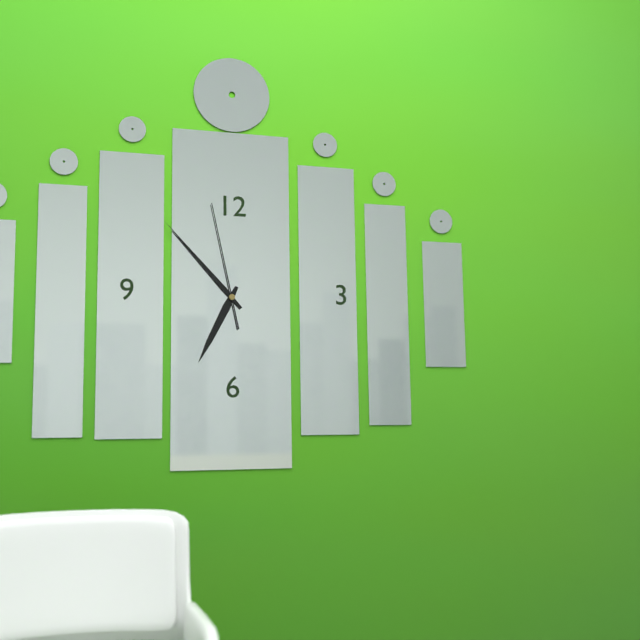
6:53:58
